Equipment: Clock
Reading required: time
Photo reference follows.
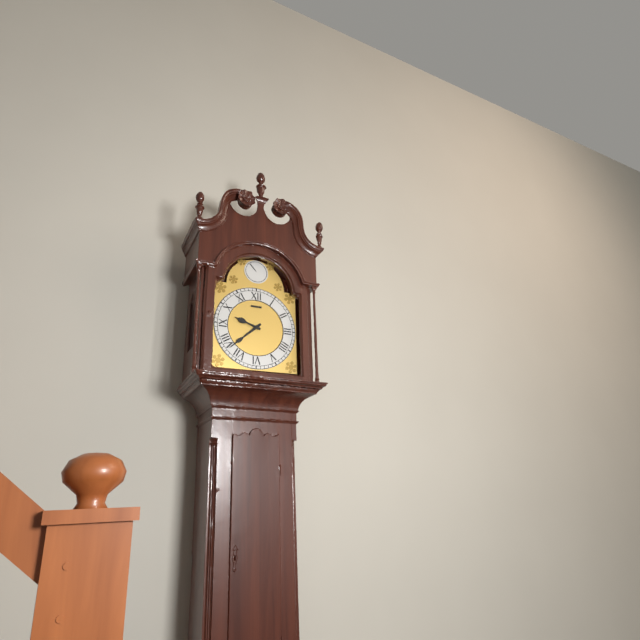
9:38
